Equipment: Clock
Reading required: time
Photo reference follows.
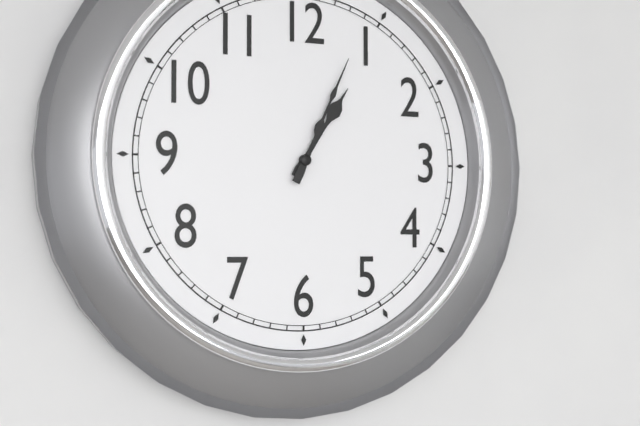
1:04
